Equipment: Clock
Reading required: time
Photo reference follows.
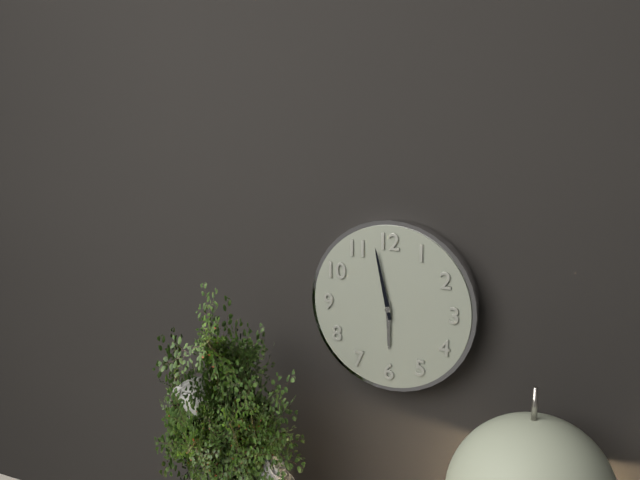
5:58
